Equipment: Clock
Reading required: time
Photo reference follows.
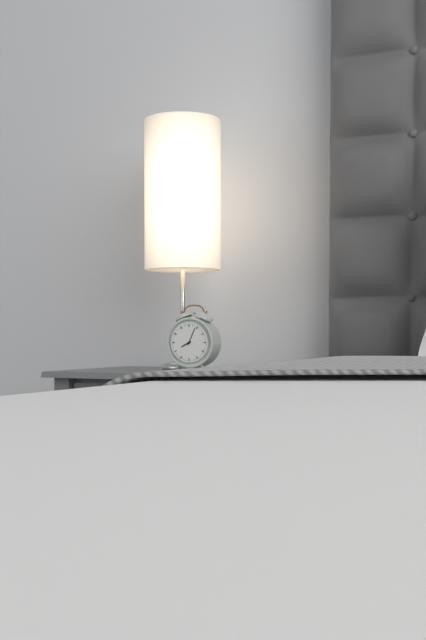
8:04
